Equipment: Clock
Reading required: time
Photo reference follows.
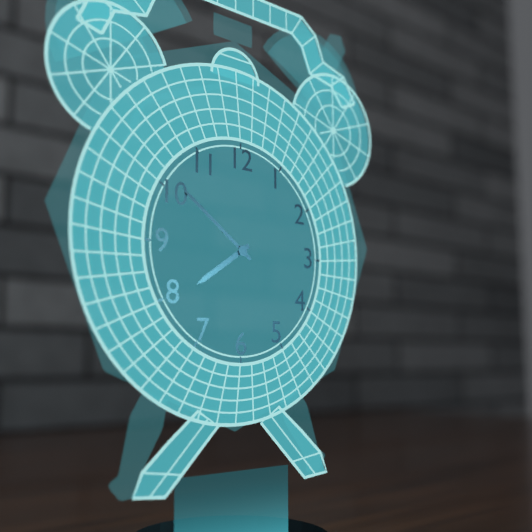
7:51
